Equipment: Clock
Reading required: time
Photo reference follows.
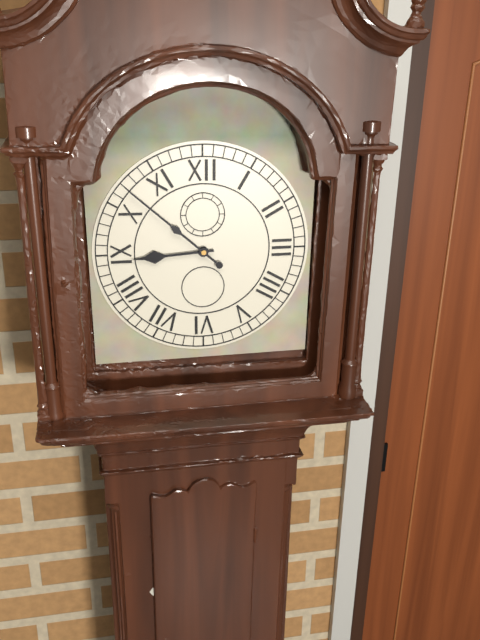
8:52
